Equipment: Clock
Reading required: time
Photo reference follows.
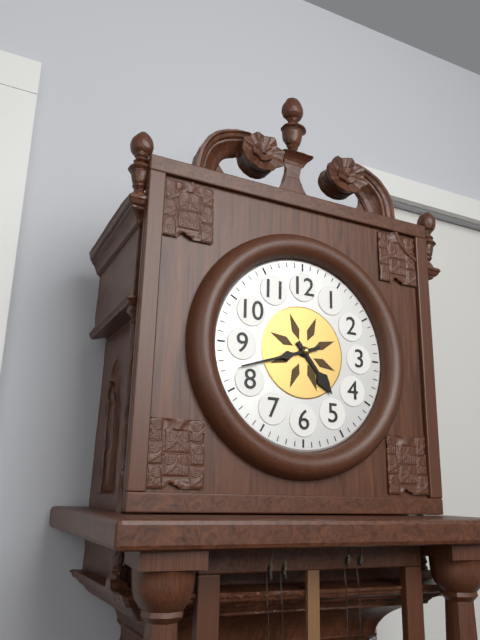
4:42
